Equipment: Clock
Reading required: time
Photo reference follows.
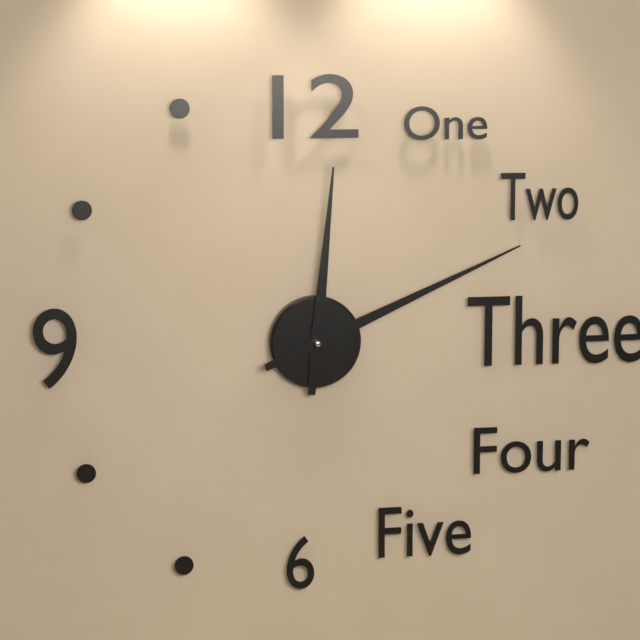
12:11
